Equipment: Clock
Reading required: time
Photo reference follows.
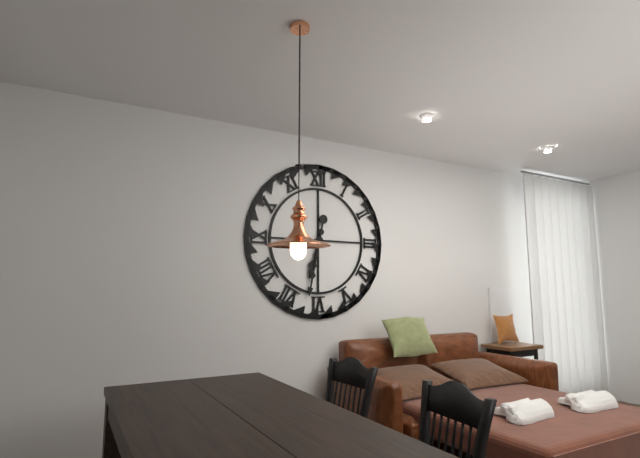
6:32
